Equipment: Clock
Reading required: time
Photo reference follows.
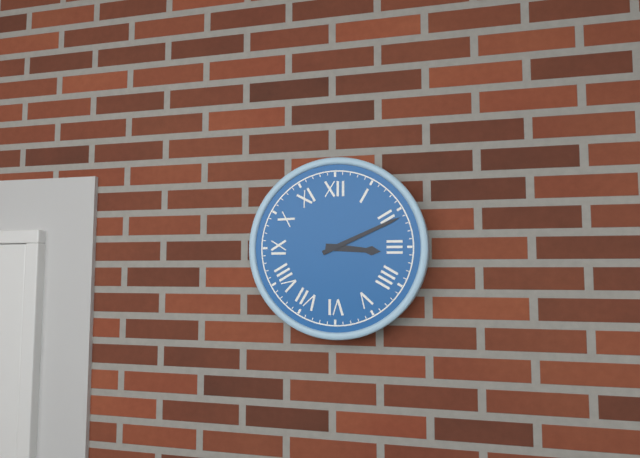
3:11
